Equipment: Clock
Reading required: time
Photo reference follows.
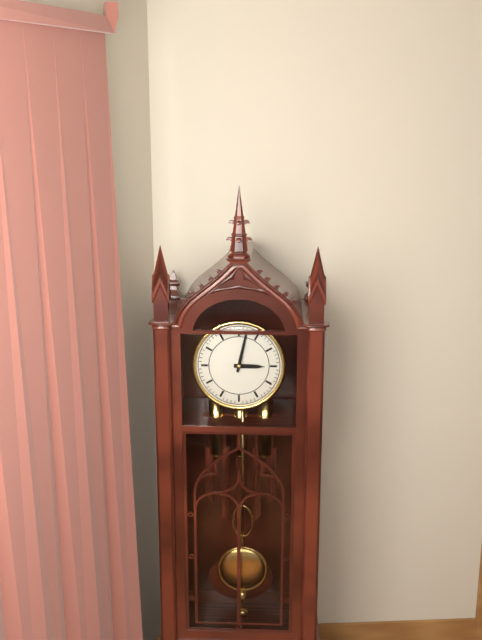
3:02
